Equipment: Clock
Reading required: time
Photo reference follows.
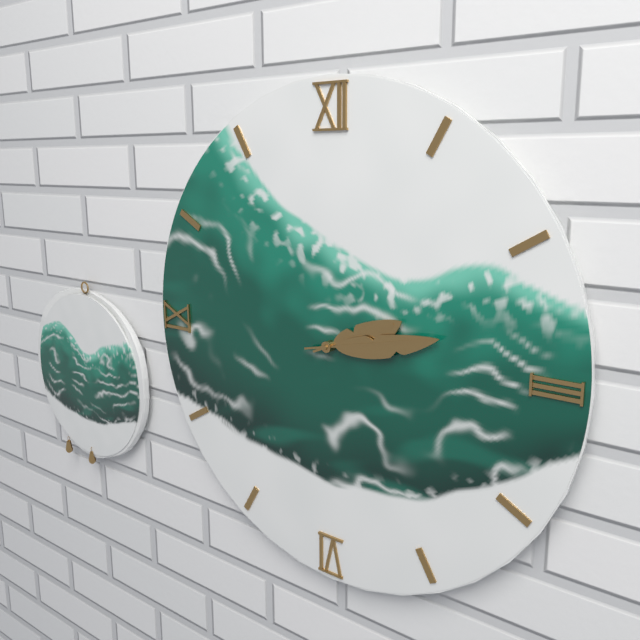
2:13
